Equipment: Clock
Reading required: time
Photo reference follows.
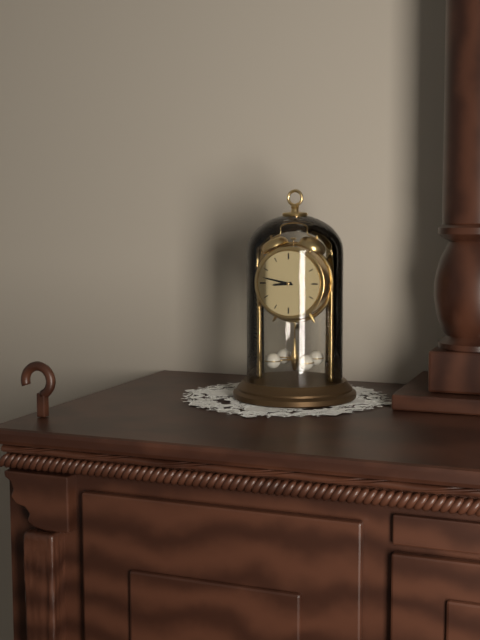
8:47
